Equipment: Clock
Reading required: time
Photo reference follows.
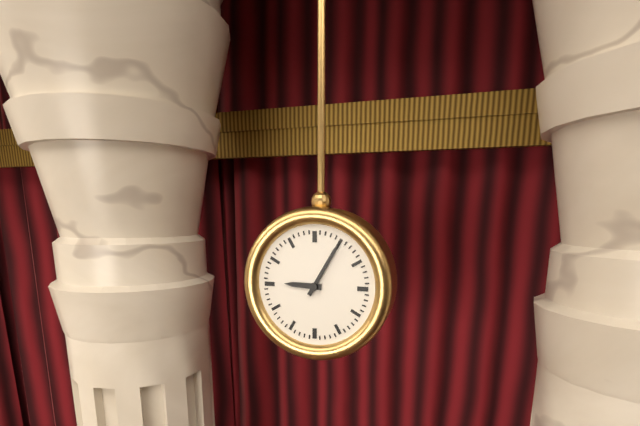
9:05
